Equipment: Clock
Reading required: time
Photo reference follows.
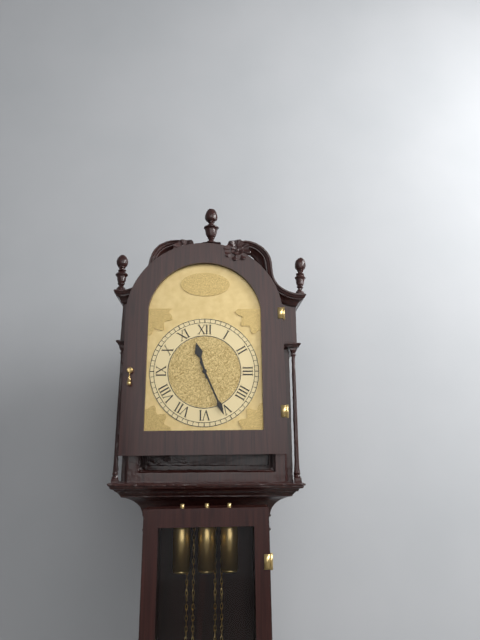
11:26
